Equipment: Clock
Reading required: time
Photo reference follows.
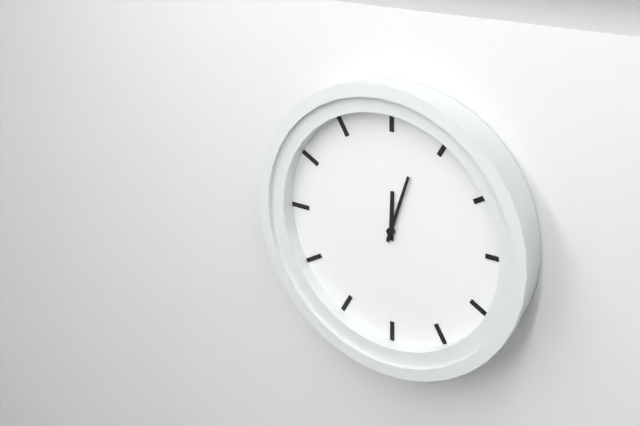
12:03
